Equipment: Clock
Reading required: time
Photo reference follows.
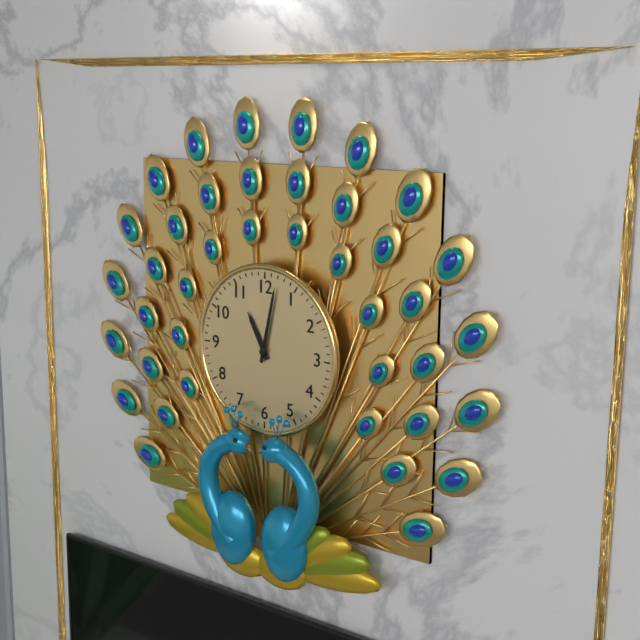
11:02
